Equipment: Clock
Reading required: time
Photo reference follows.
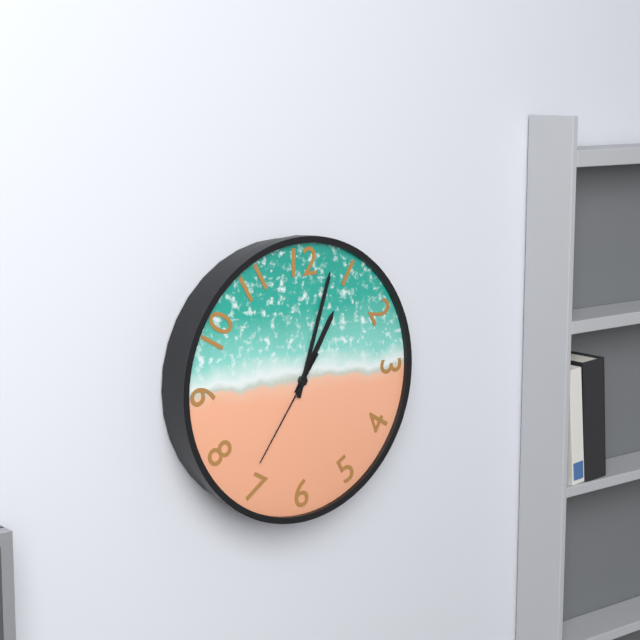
1:03:36
